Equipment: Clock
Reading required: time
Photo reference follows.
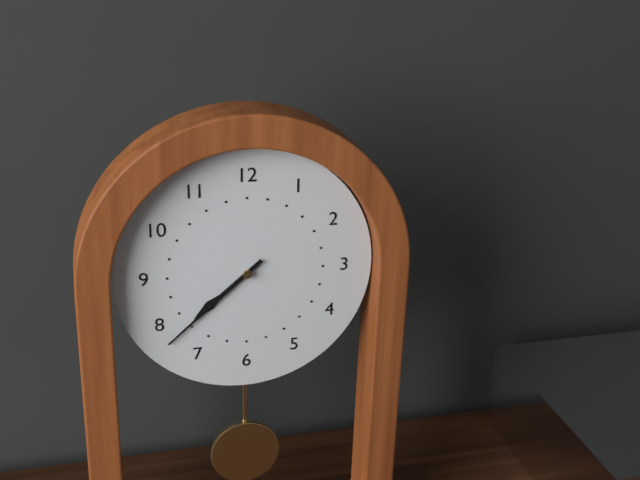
7:38
